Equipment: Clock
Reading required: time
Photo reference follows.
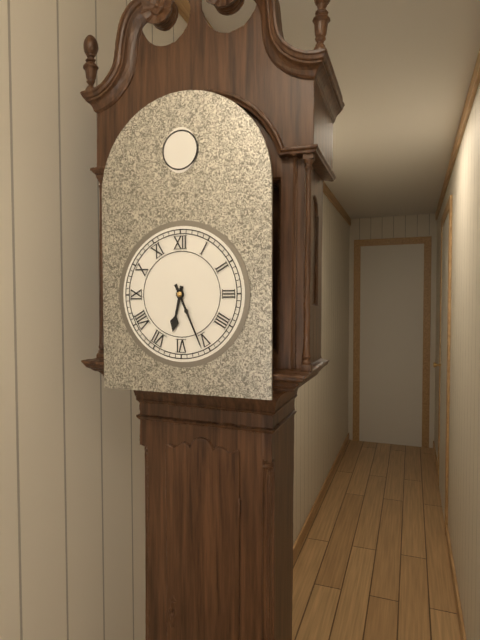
6:26
